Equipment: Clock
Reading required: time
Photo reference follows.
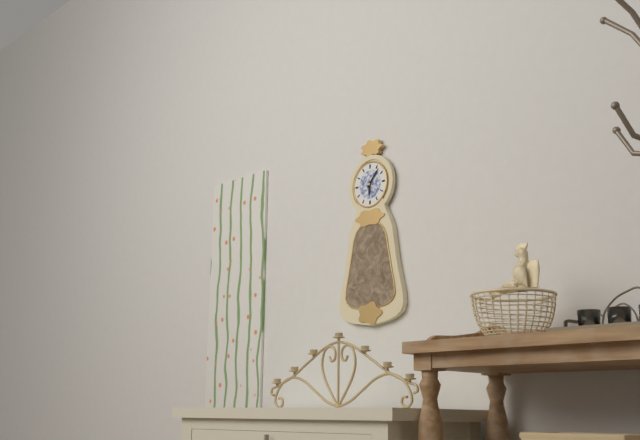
6:07
